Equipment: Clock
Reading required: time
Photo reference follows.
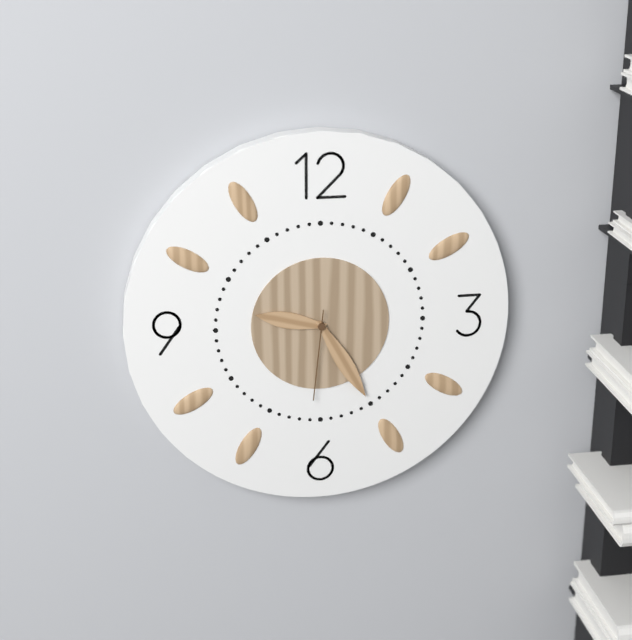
9:25:31
